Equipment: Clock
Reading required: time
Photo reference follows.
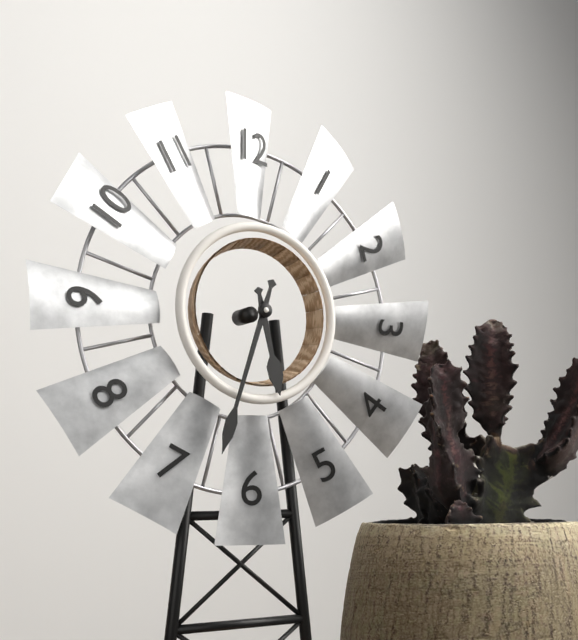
5:33
